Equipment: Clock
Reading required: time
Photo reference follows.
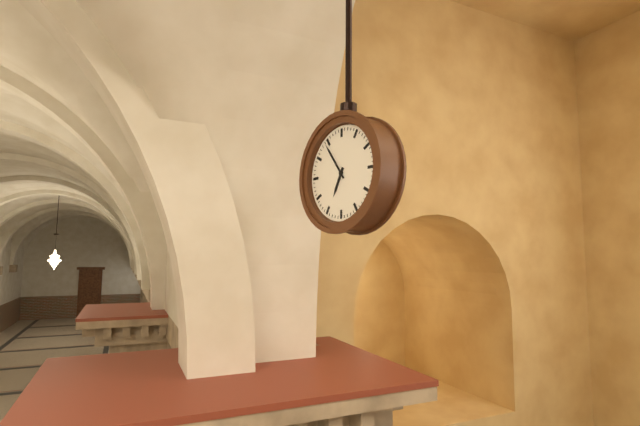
6:54
